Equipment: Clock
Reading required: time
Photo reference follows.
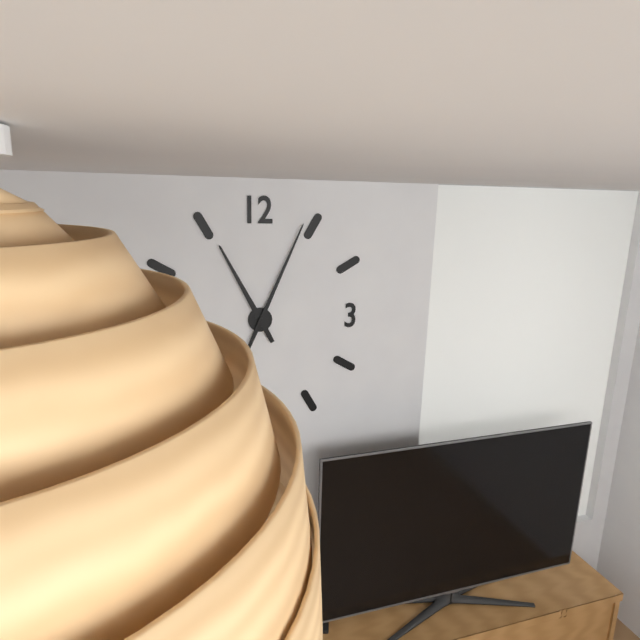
11:04
